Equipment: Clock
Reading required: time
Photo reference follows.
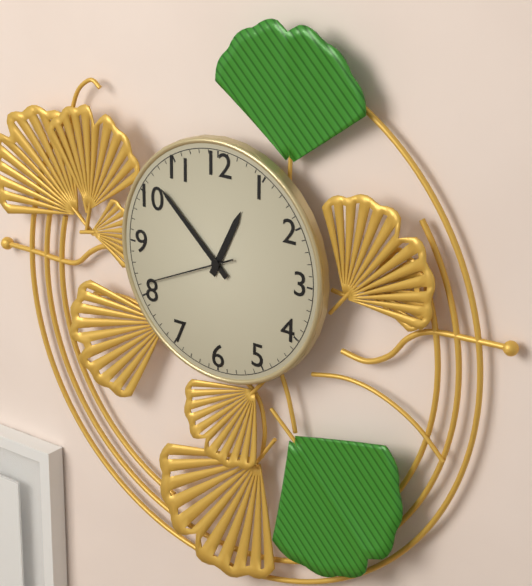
12:52:41
